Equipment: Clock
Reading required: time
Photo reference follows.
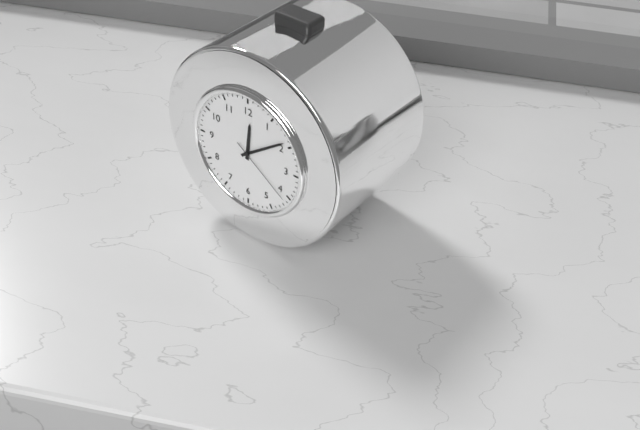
12:09:21
